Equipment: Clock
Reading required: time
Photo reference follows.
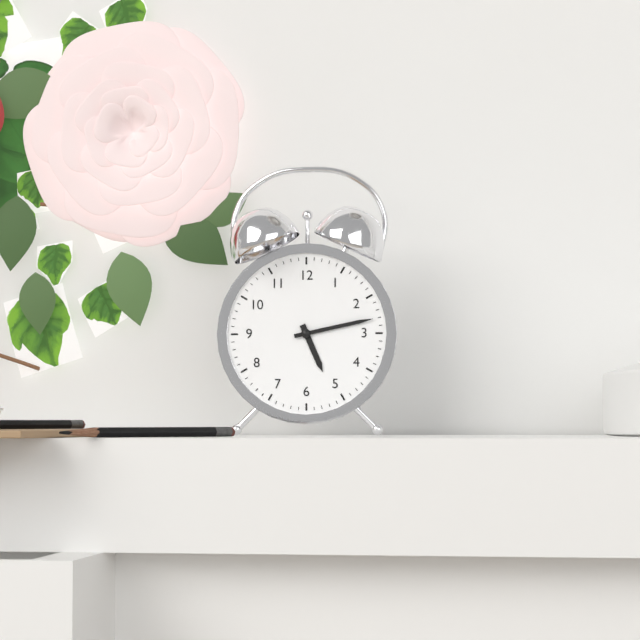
5:13
